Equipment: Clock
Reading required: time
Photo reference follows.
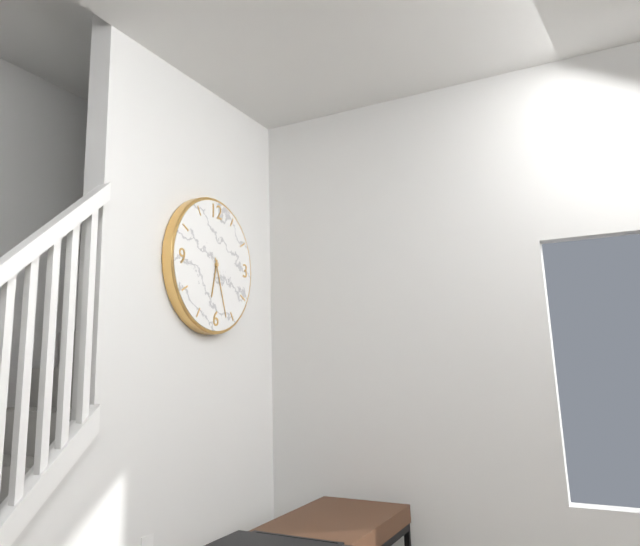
6:27
